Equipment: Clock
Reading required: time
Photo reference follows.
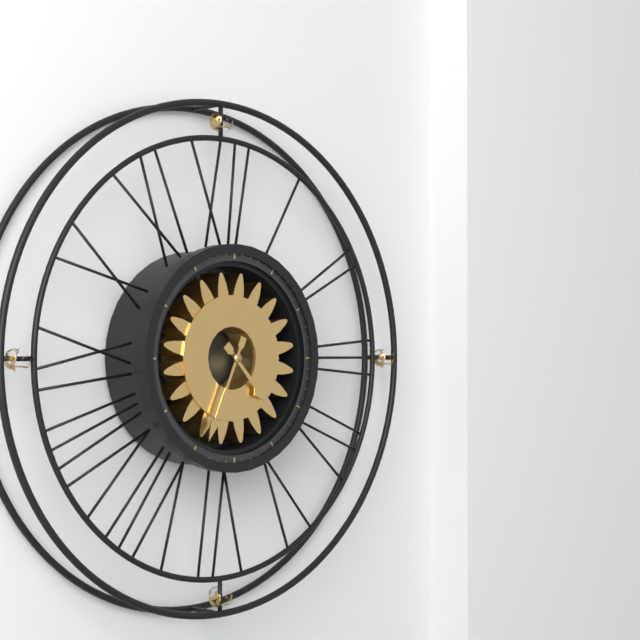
4:34
